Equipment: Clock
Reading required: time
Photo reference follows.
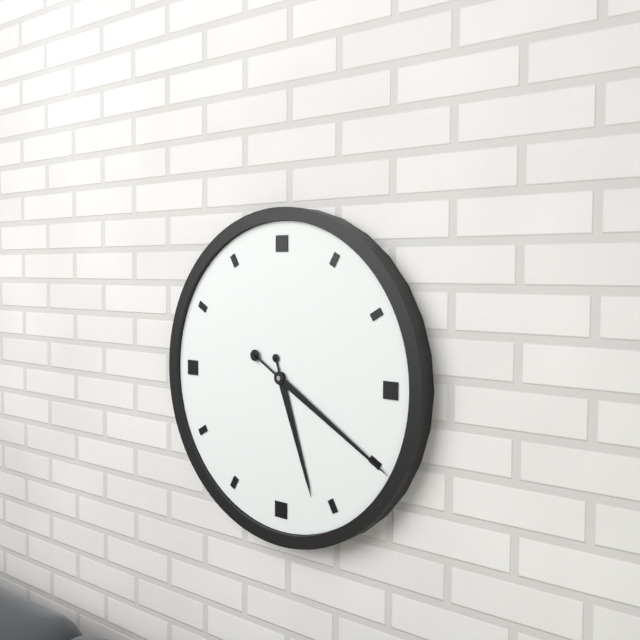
5:20
